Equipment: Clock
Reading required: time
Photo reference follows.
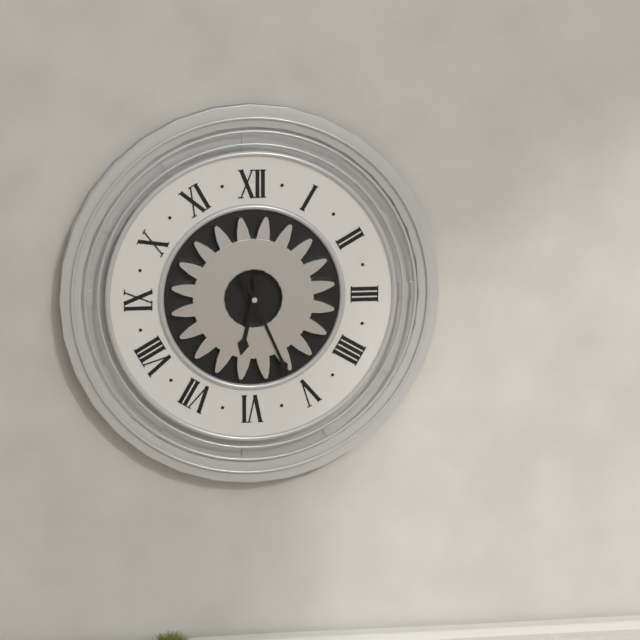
6:26
